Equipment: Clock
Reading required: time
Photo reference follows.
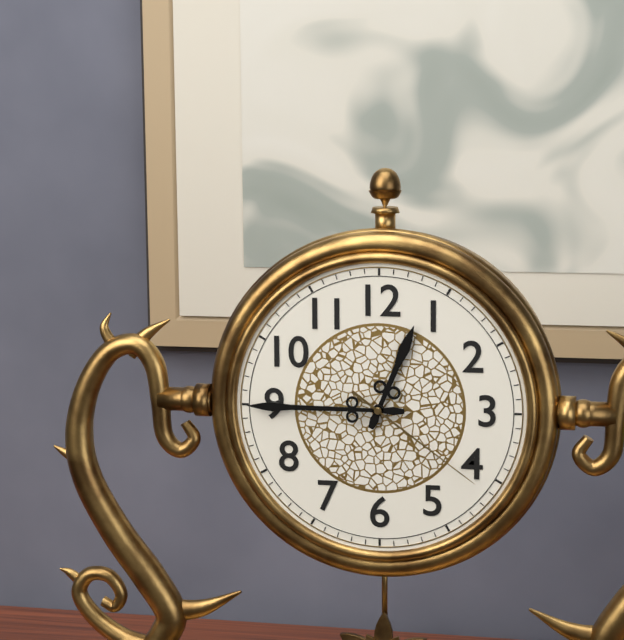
12:45:21
